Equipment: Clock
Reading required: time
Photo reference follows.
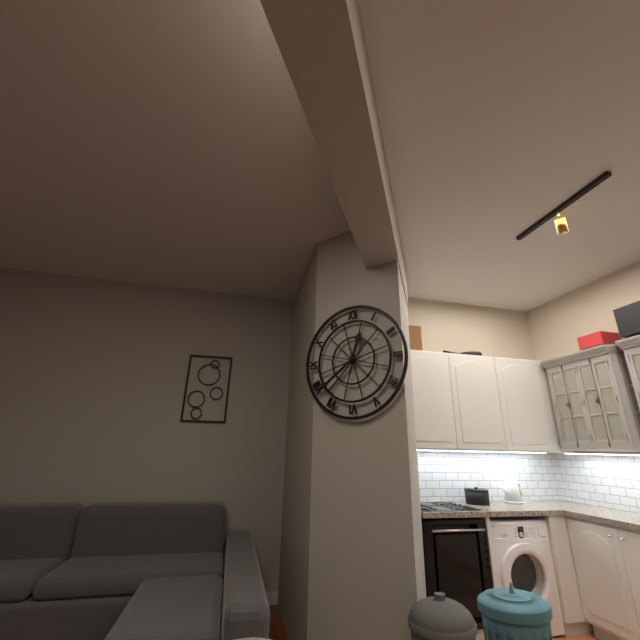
12:39
